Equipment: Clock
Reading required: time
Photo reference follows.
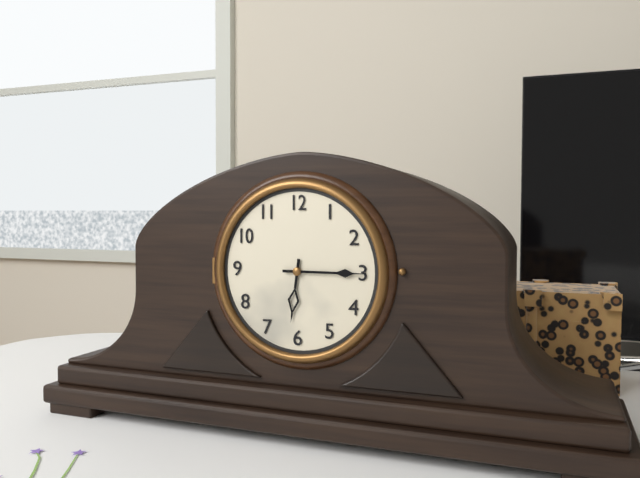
6:15
